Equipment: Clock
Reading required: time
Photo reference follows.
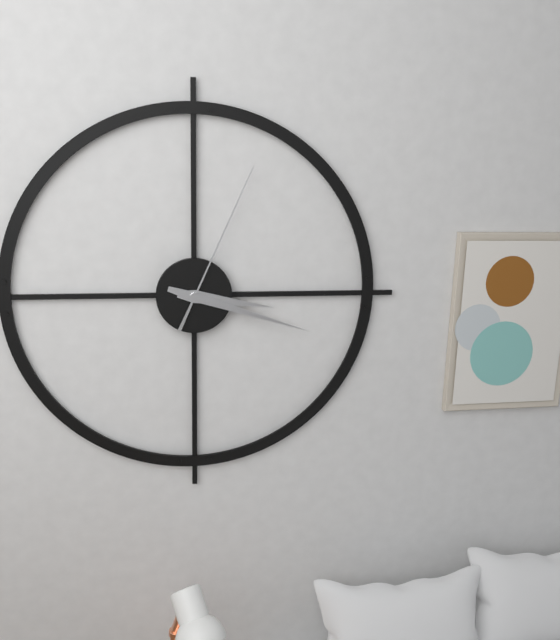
3:18:04
